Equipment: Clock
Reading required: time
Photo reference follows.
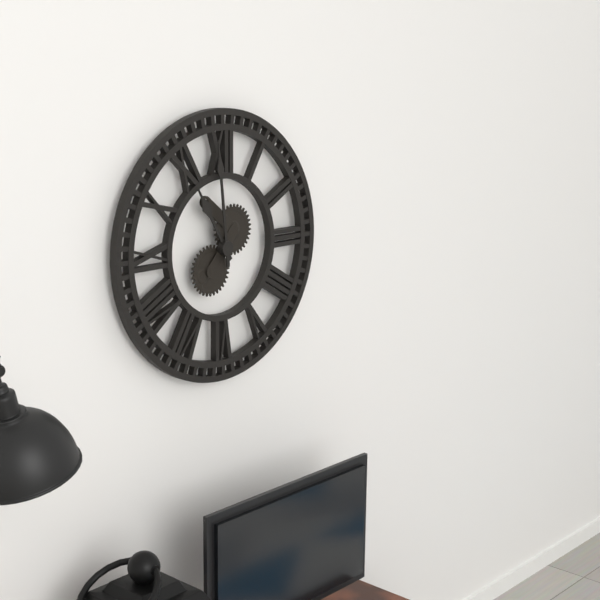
10:59
